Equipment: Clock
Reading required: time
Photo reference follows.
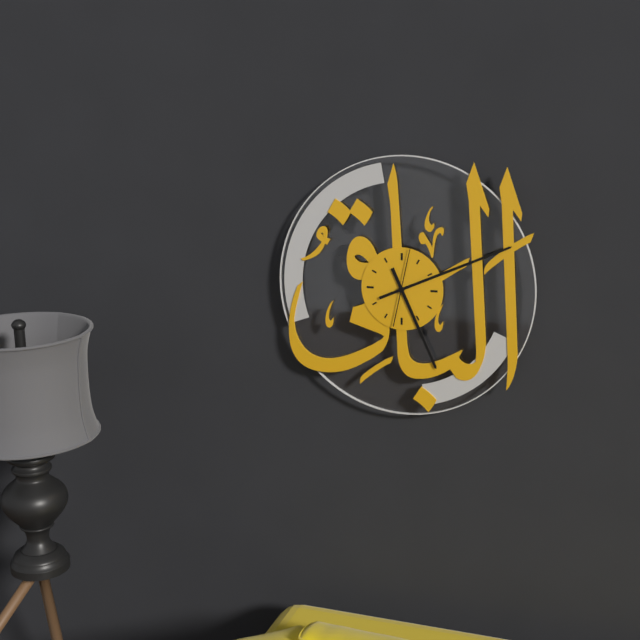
5:11
